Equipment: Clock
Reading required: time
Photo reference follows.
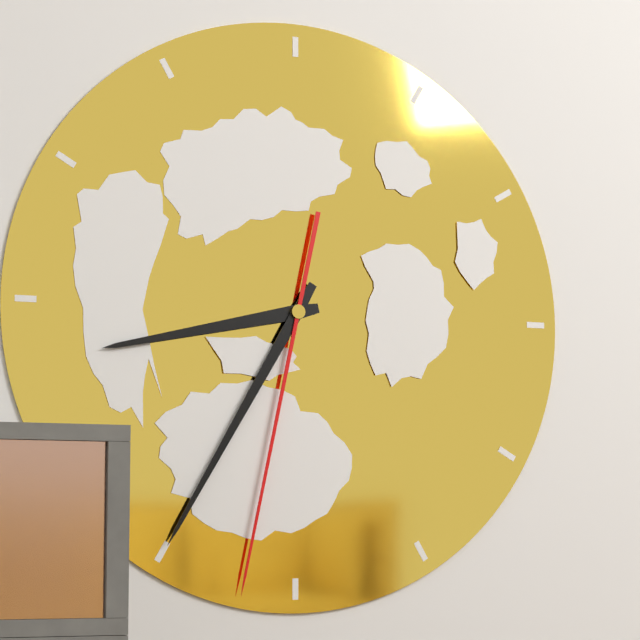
8:35:32
